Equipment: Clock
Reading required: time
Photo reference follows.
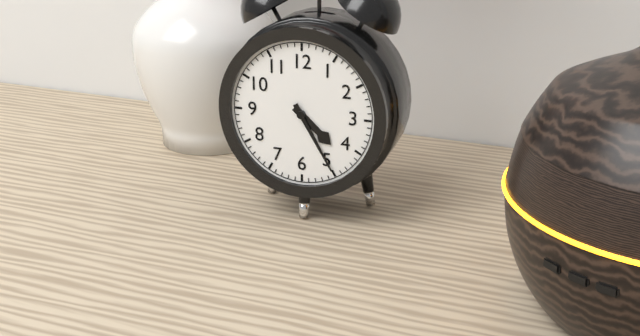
4:25
